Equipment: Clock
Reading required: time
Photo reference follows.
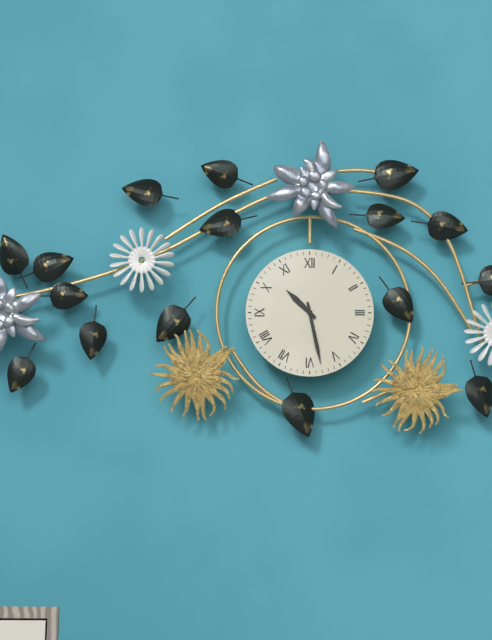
10:28
